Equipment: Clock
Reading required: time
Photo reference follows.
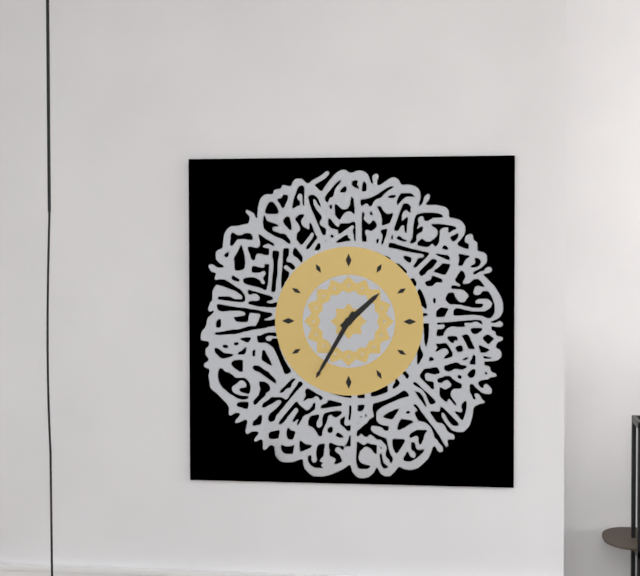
1:35
